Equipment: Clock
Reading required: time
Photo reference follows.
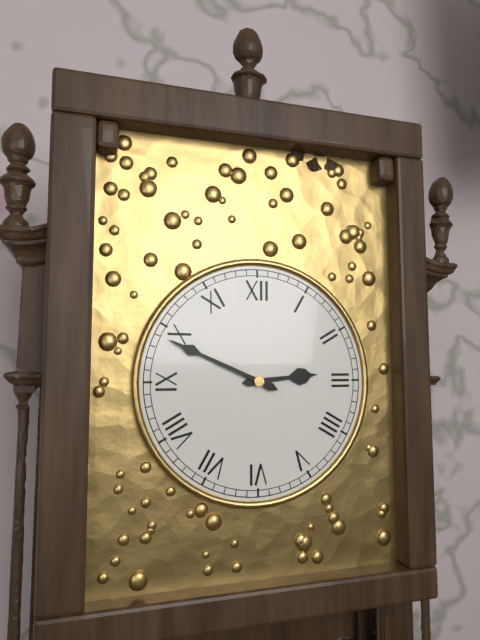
2:49
